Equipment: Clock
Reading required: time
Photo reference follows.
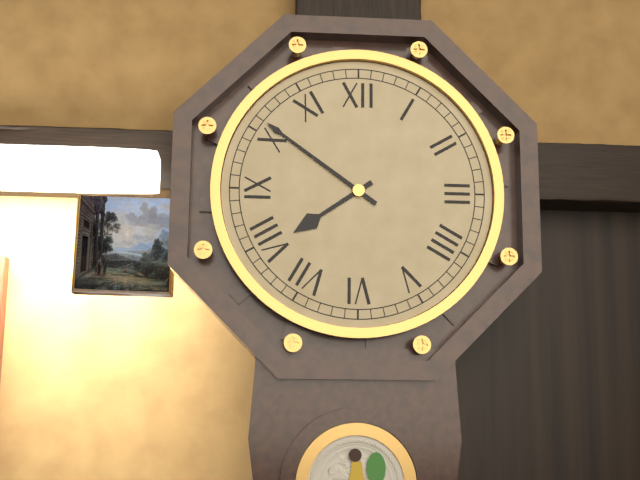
7:51
